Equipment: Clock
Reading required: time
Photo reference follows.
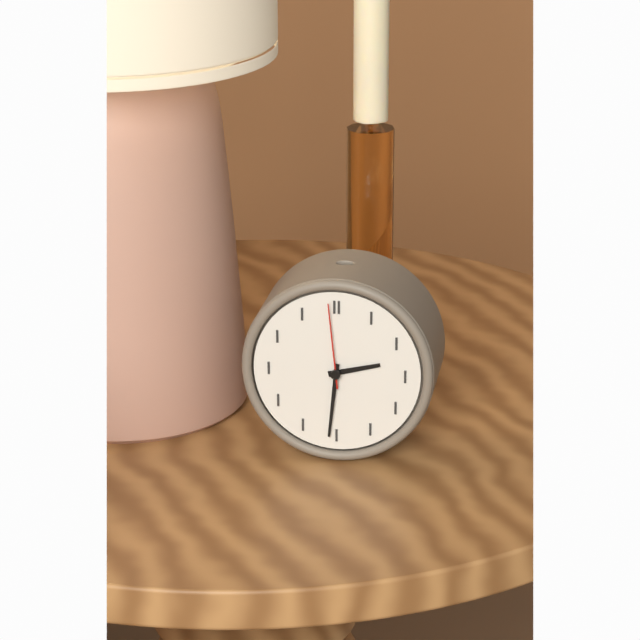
2:31:59
